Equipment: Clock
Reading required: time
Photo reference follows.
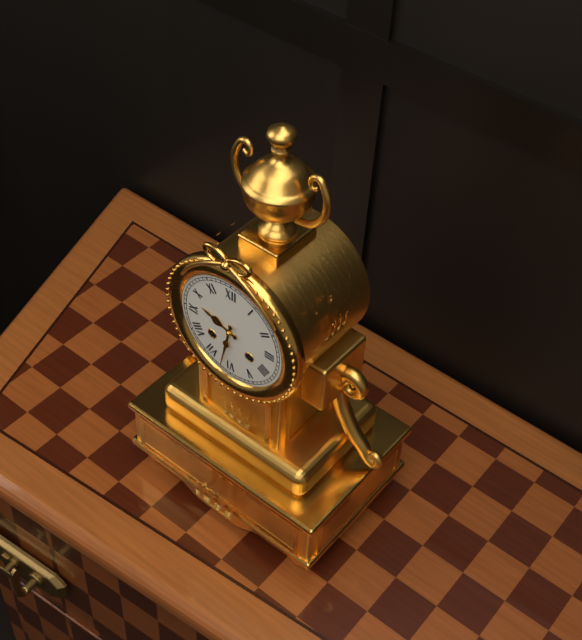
9:32
